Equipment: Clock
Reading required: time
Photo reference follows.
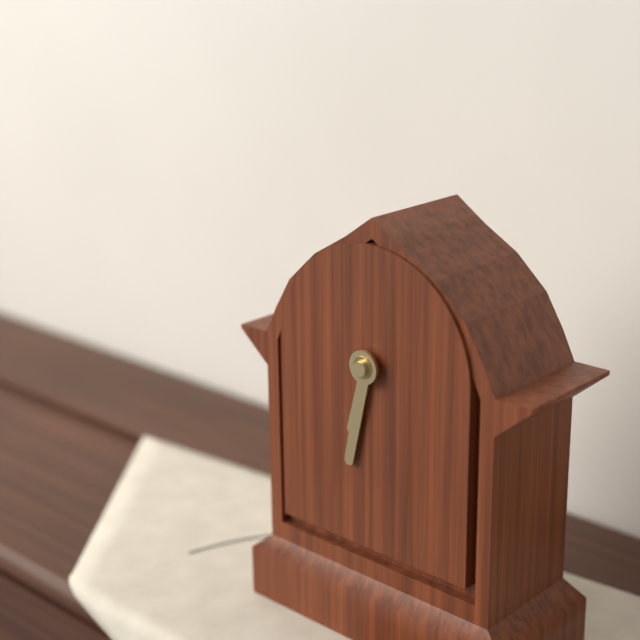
6:32
